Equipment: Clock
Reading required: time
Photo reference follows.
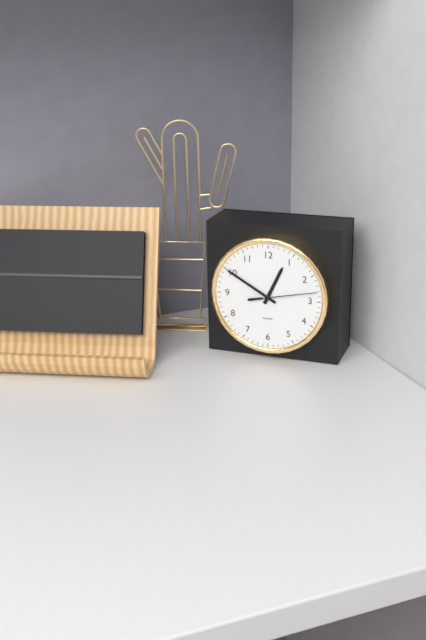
12:50:13
